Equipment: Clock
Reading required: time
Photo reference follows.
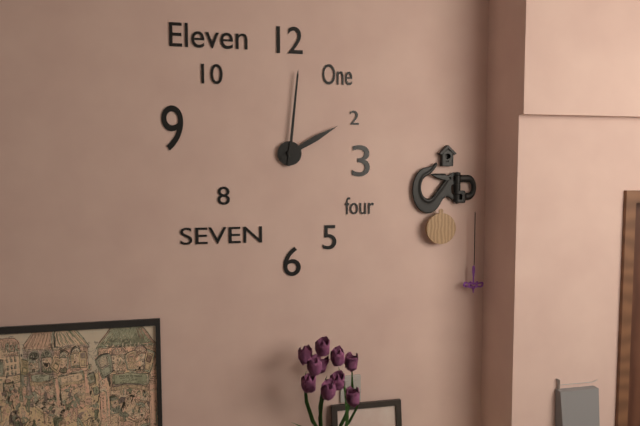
2:01
